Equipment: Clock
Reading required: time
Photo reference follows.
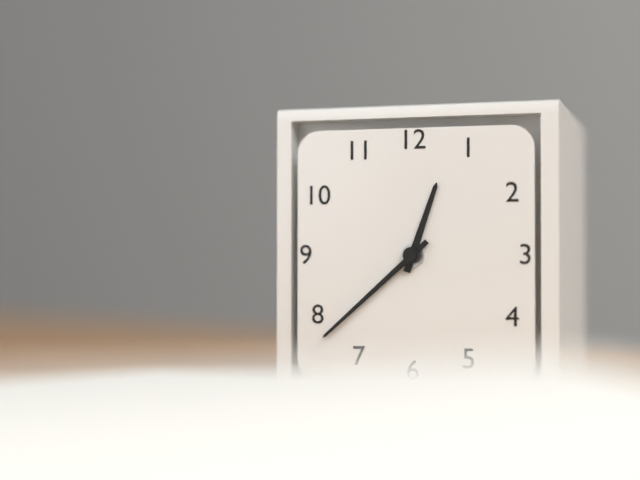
12:38
